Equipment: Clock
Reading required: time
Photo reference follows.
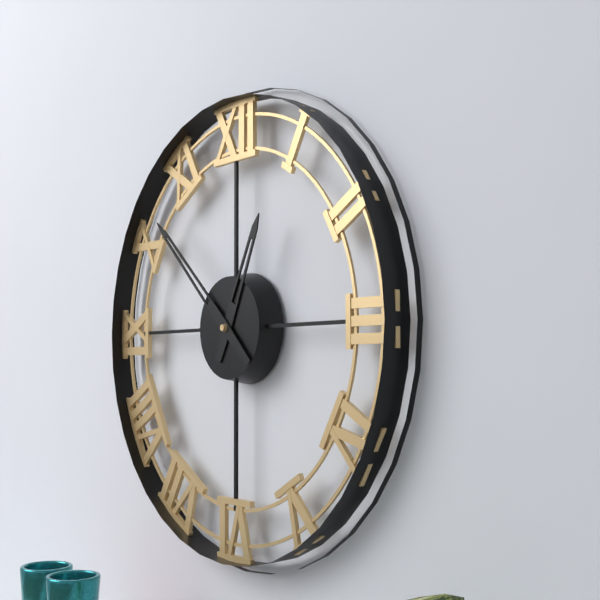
12:52
